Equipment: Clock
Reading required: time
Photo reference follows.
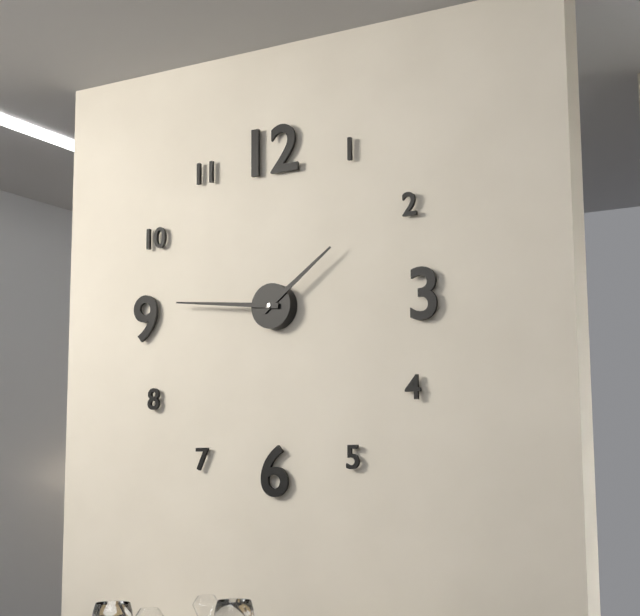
1:46
